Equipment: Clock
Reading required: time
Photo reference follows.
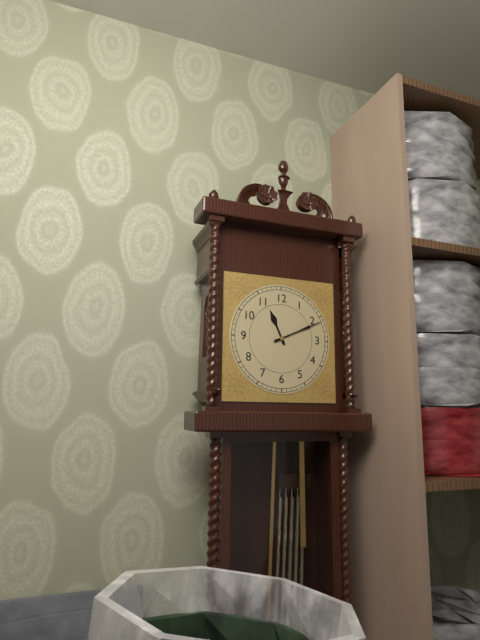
11:11
